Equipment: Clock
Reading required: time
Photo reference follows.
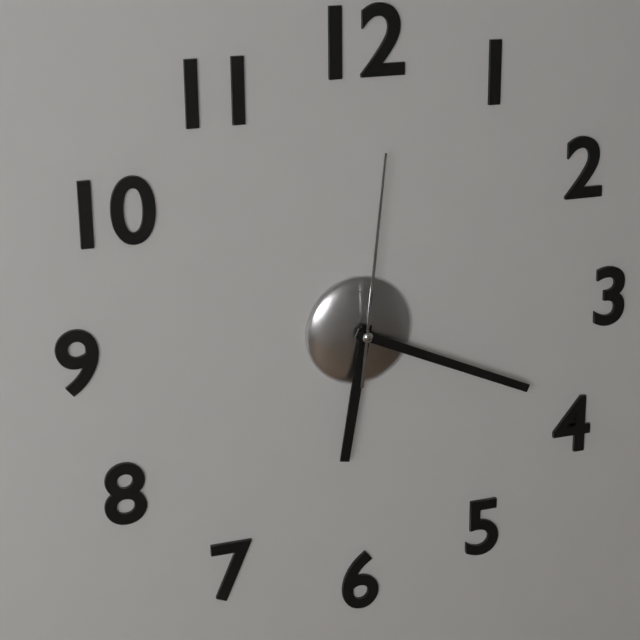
6:19:01
